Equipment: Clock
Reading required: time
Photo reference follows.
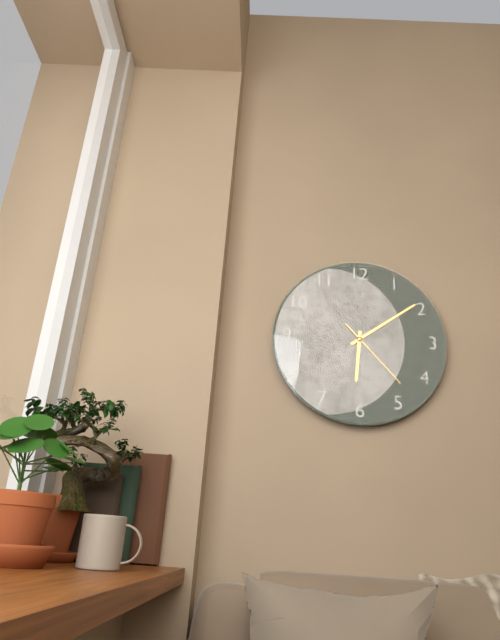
6:09:23
